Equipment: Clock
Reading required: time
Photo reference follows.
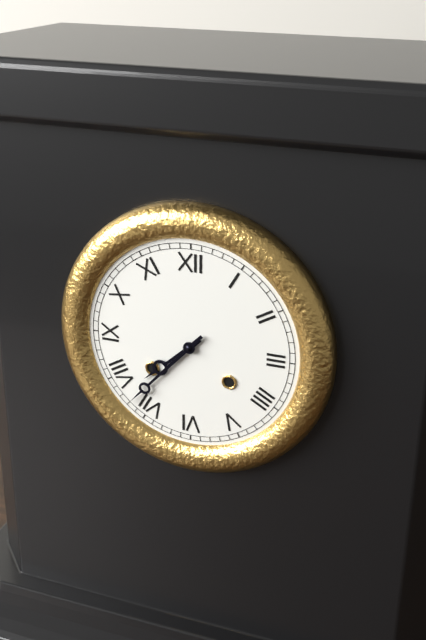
7:37
